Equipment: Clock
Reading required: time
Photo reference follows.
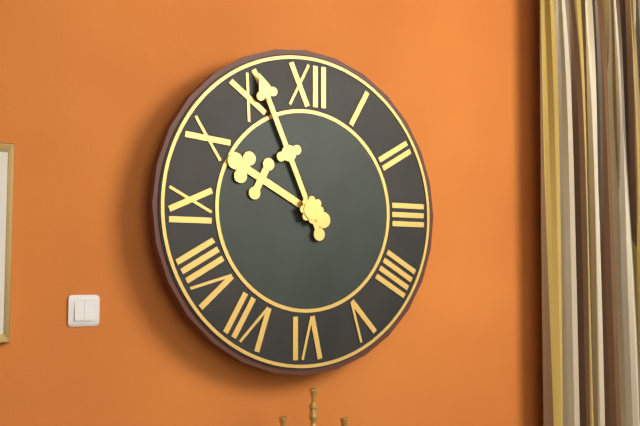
9:56
